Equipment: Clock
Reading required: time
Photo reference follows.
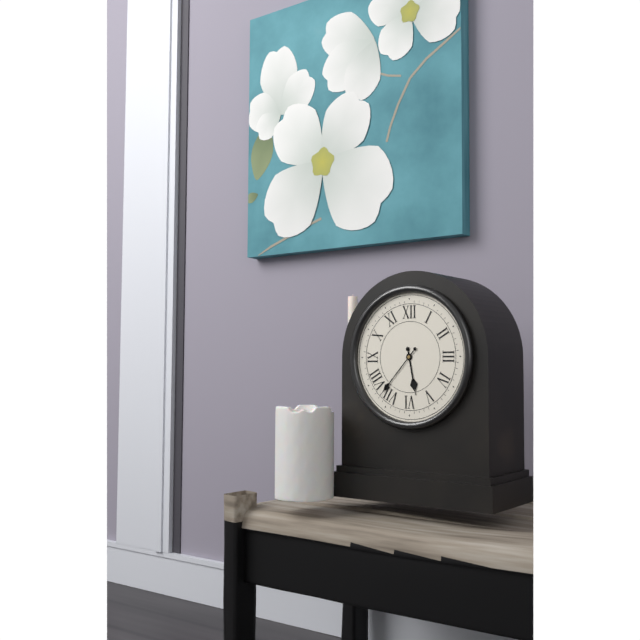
5:37
